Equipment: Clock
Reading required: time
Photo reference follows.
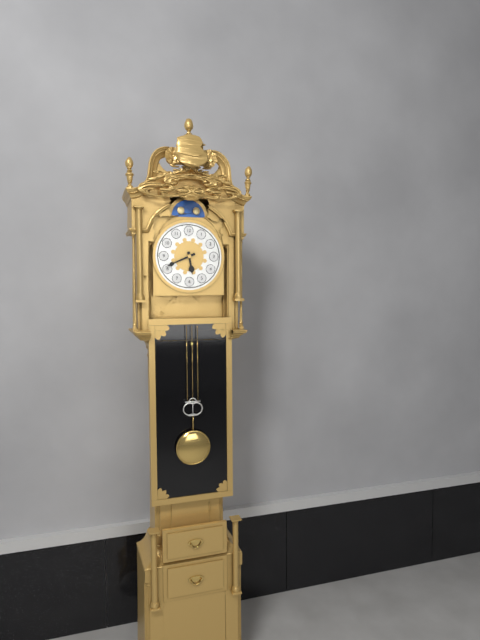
5:41
